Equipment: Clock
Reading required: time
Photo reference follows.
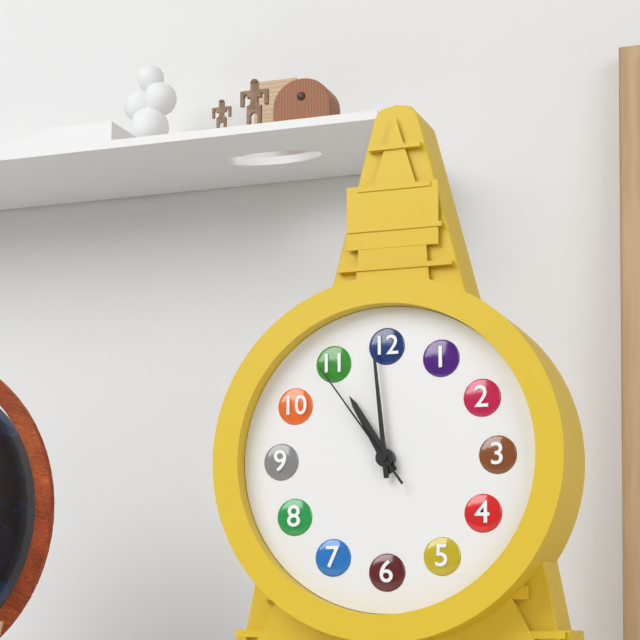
10:59:54
